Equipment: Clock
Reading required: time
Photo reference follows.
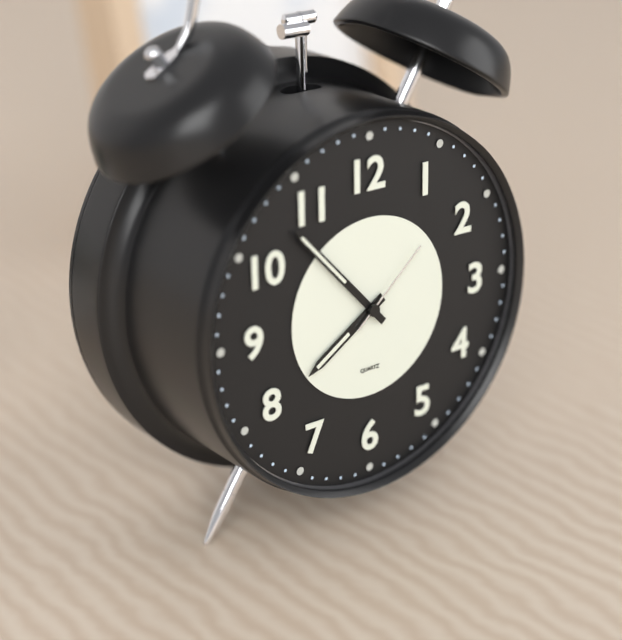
7:53:08
